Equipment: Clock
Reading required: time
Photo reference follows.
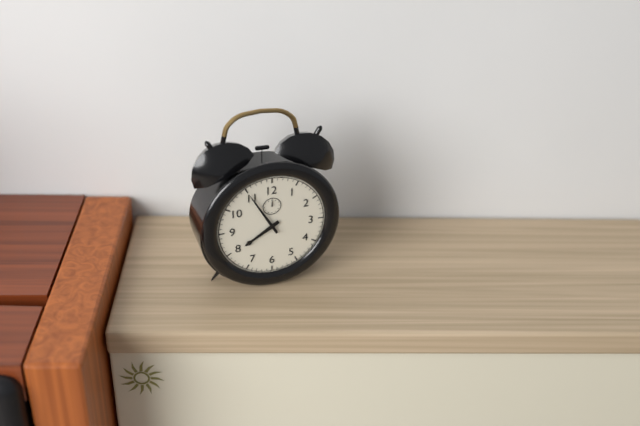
7:55
